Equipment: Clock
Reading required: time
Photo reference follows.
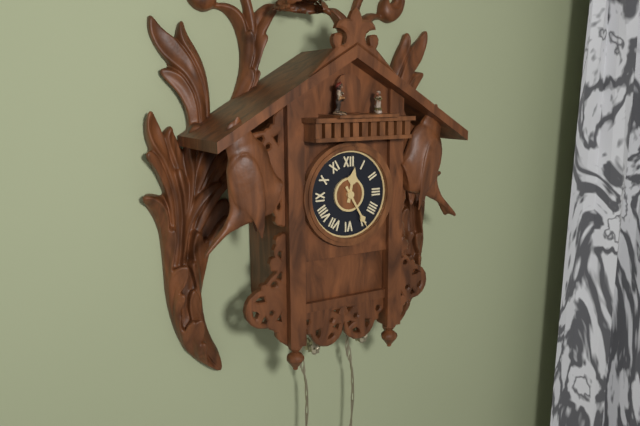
12:25
